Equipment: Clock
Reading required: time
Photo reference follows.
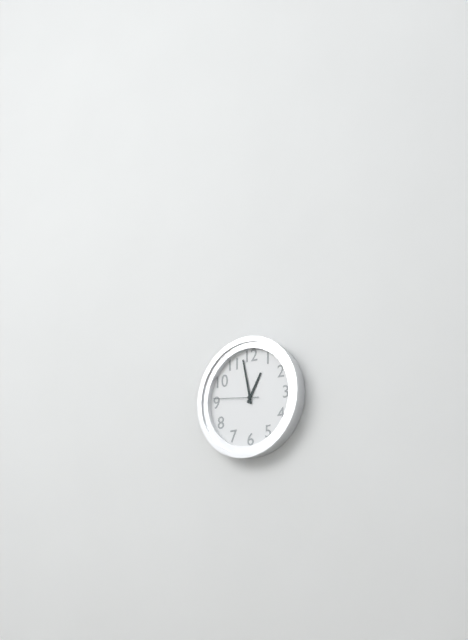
12:58
